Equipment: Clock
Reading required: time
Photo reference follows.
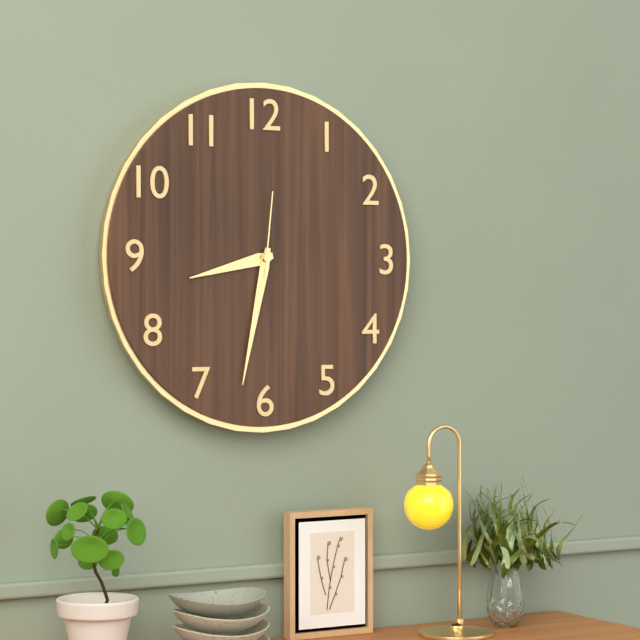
8:32:01
